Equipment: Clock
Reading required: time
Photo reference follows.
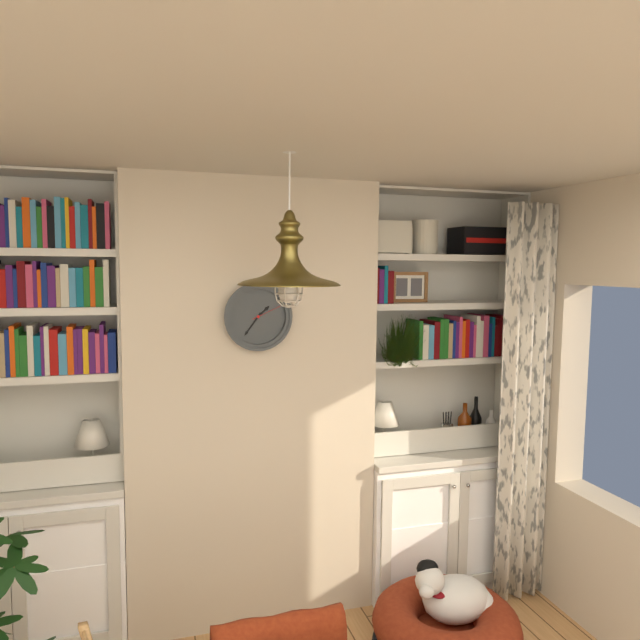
1:36
